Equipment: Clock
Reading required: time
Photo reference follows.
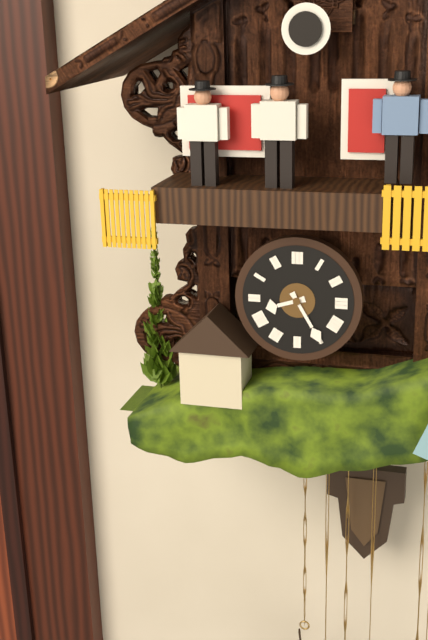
8:25
